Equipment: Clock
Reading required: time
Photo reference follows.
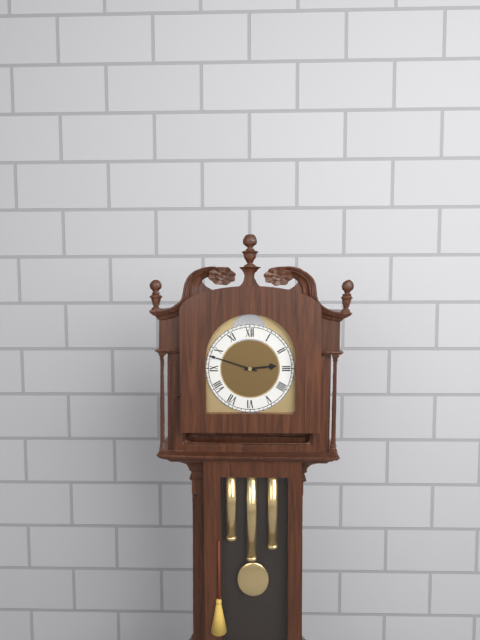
2:48
